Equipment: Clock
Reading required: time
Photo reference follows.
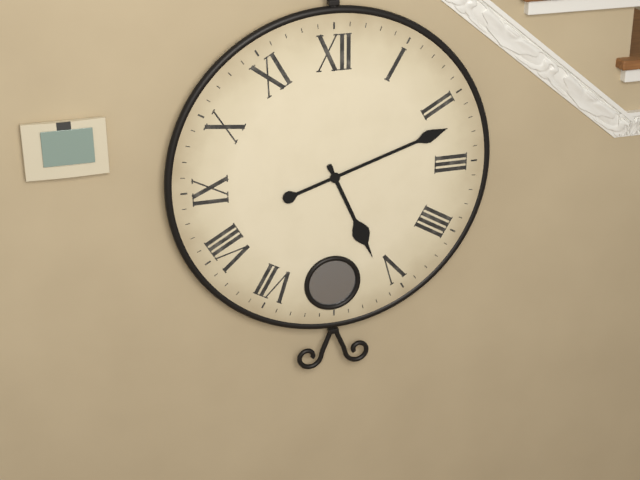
5:12
